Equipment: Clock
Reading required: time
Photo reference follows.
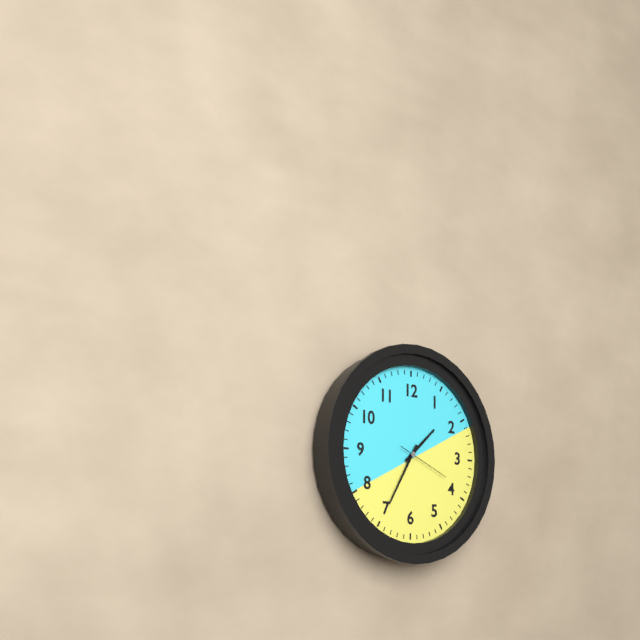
1:35:19
